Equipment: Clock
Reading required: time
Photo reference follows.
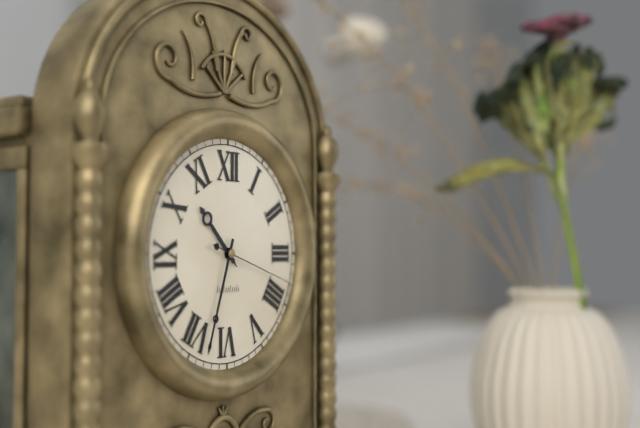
10:33:18
